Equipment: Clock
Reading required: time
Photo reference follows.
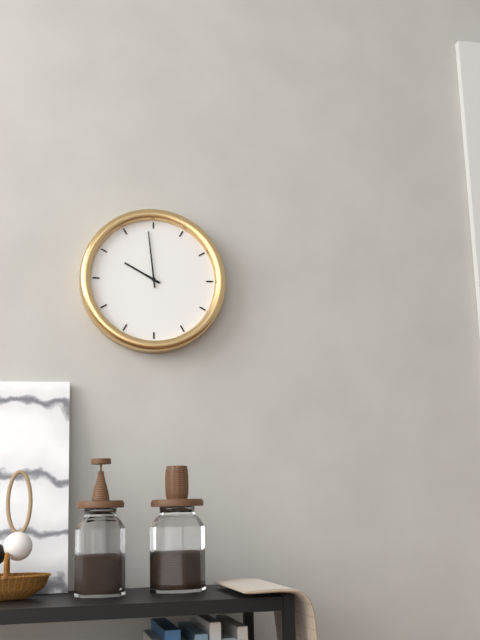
9:59
